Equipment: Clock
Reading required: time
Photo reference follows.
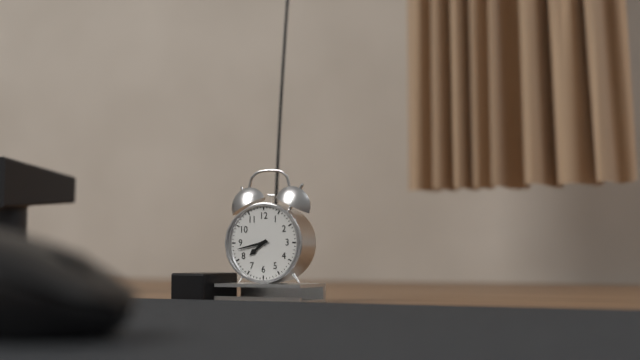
7:43
